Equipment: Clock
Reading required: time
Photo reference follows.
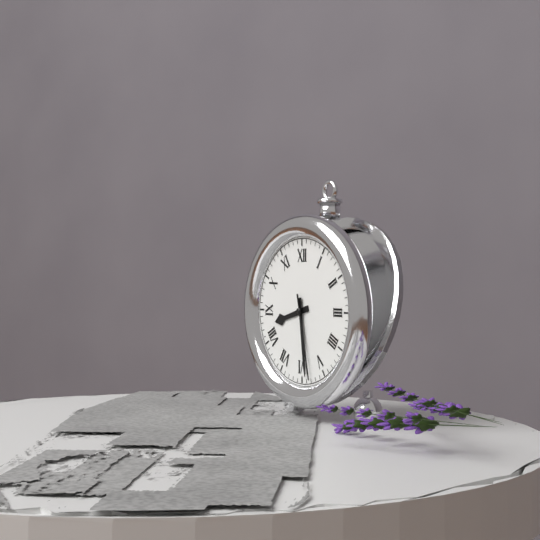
8:29:28
